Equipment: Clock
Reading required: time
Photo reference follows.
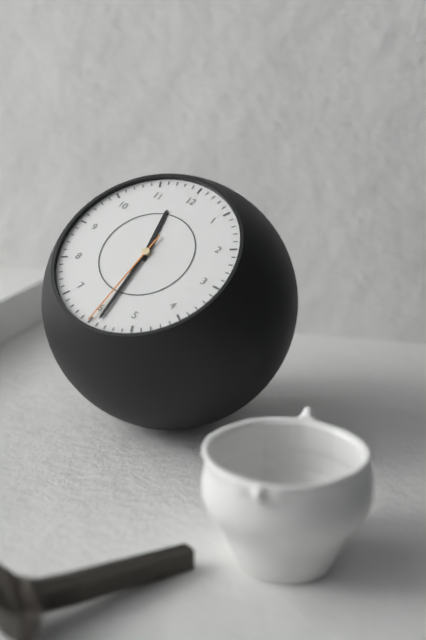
11:29:30
